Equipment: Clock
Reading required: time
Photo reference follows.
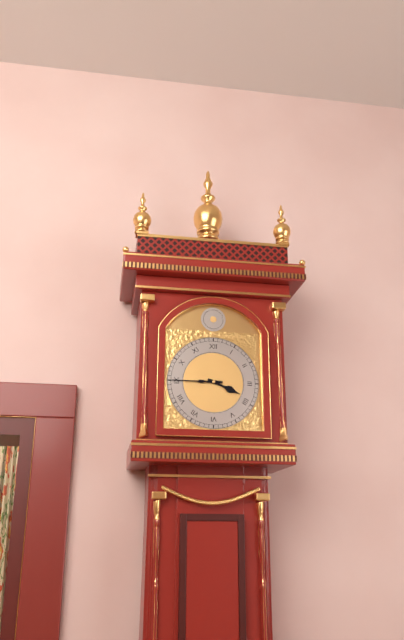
3:45
